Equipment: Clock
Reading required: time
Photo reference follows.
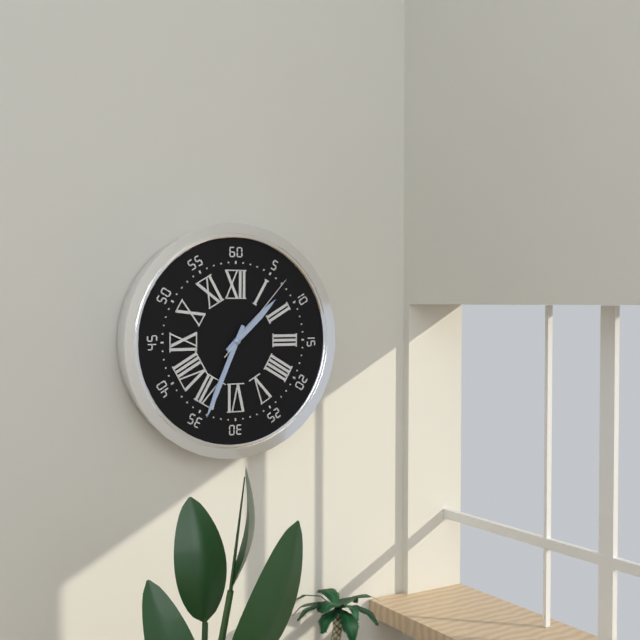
1:34:07
